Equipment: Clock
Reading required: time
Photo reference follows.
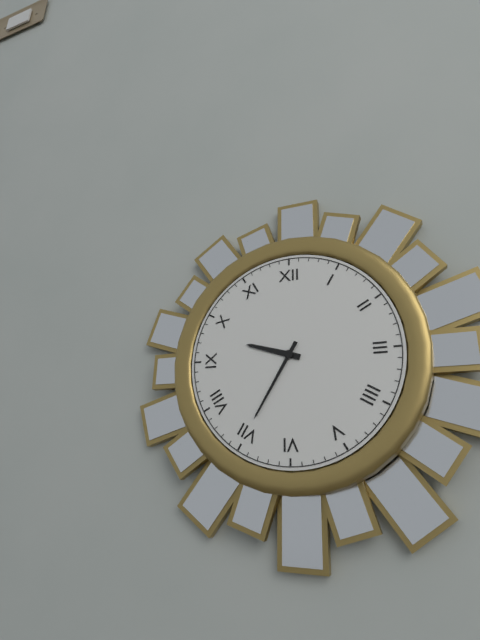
9:35
